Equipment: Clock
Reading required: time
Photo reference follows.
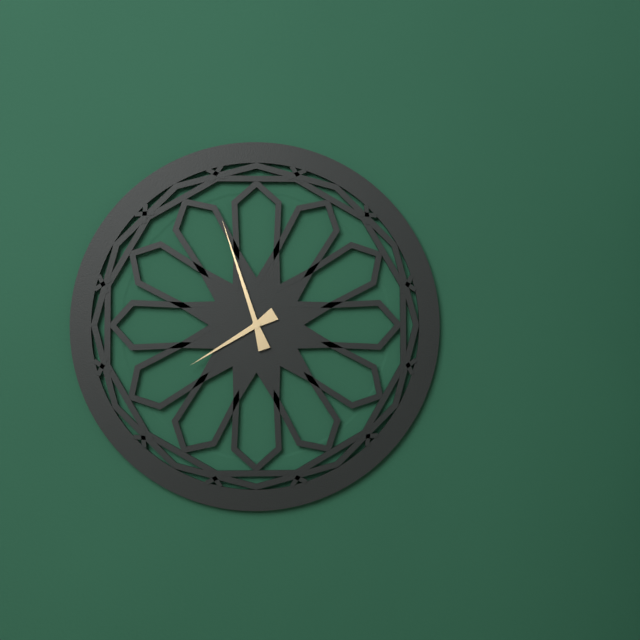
7:57
